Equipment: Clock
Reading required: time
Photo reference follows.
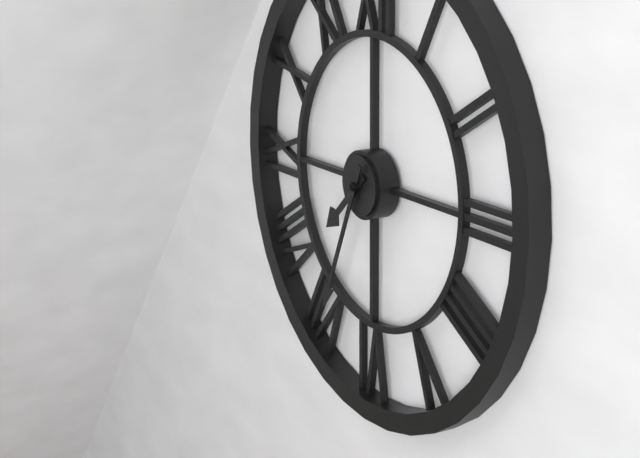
7:34
